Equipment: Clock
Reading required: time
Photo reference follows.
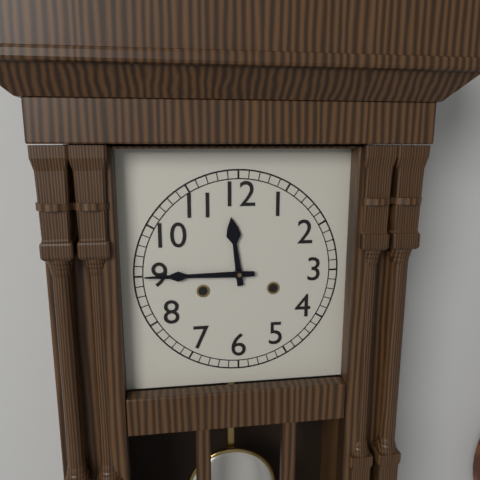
11:45
